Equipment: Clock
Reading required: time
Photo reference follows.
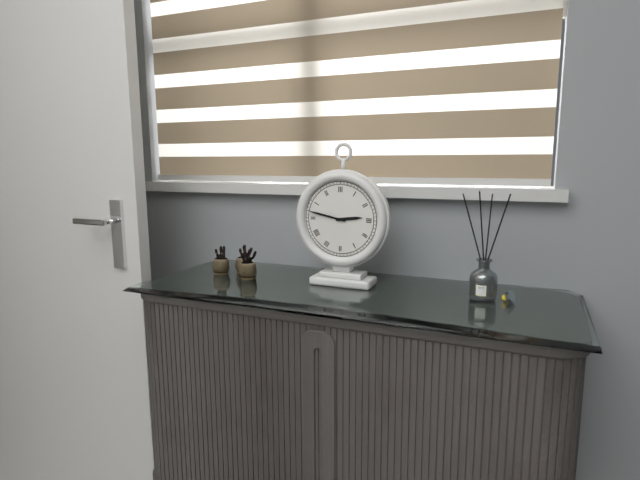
2:47
